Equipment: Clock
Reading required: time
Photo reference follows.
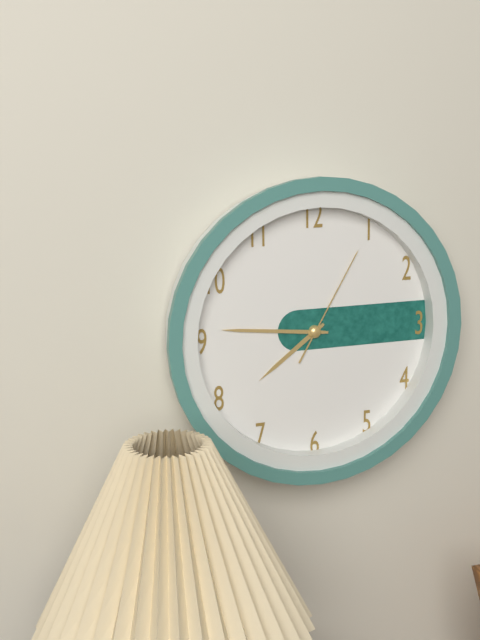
7:46:05
